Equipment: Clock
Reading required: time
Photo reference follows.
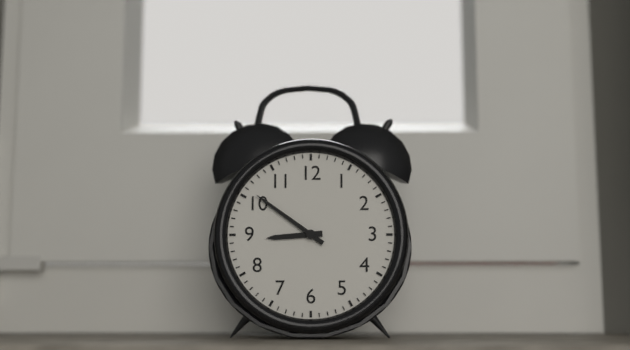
8:51
